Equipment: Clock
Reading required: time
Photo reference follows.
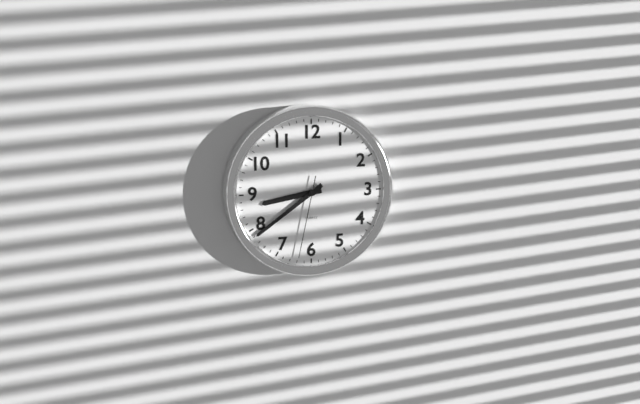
8:39:32
